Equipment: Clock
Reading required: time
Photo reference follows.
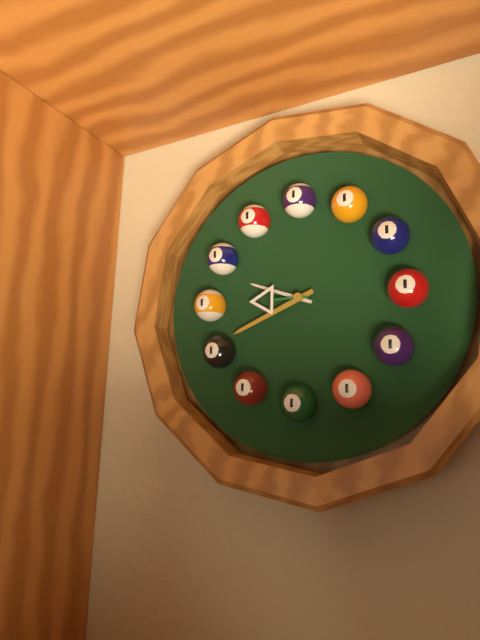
9:41:45
